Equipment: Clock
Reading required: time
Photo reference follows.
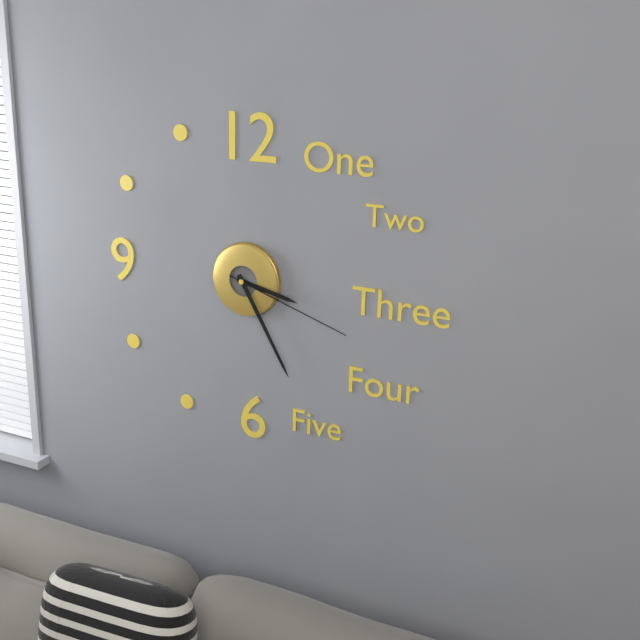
3:25:18
